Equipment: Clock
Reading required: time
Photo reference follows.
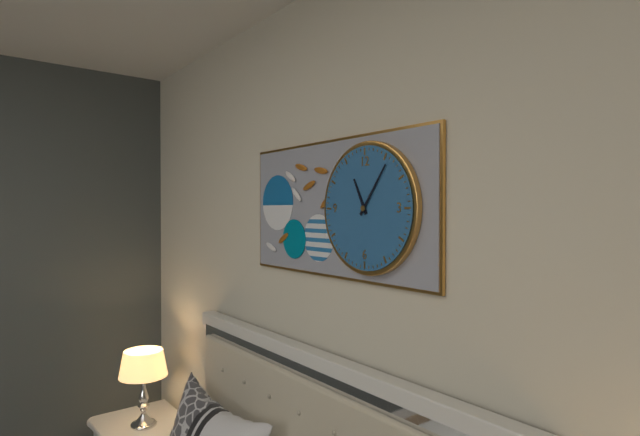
11:06
